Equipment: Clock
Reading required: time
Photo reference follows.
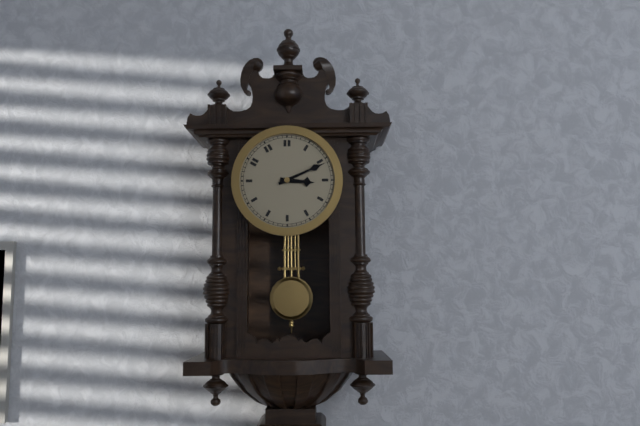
3:11
